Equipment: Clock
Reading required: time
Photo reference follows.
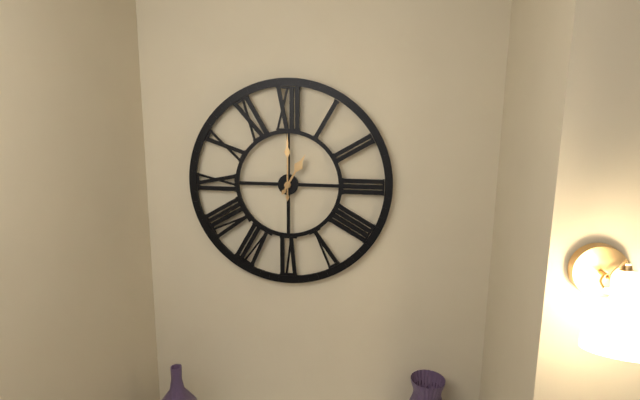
1:00
